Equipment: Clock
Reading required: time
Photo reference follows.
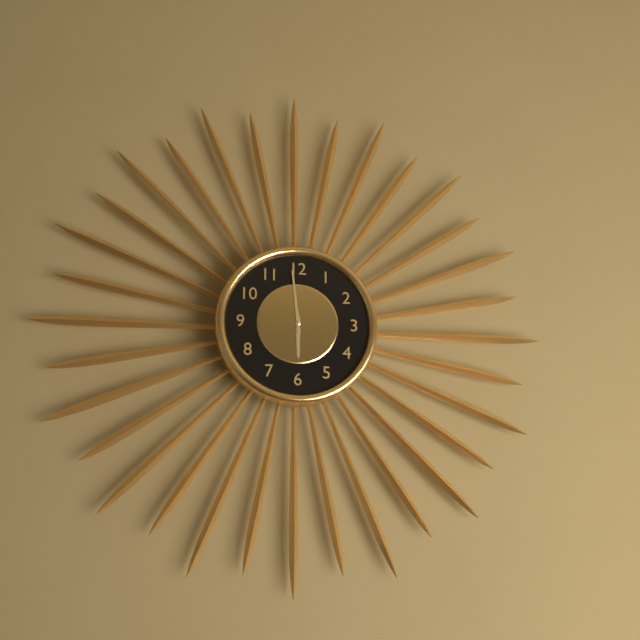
5:59
